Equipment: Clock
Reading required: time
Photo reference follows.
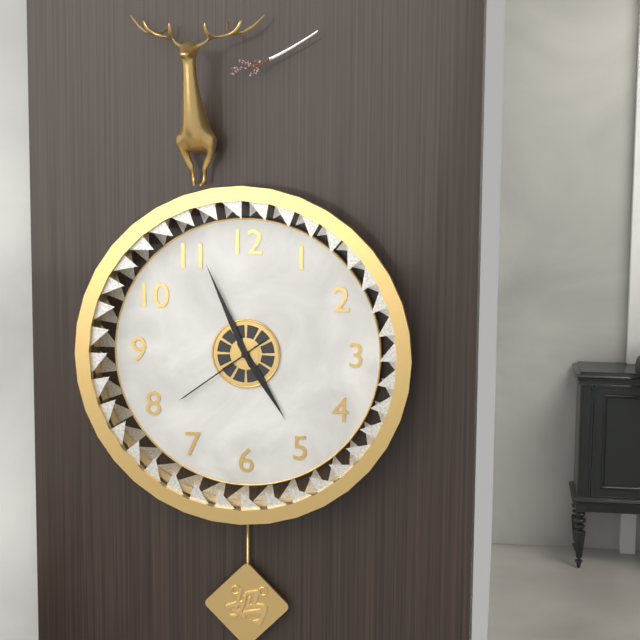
4:56:39
